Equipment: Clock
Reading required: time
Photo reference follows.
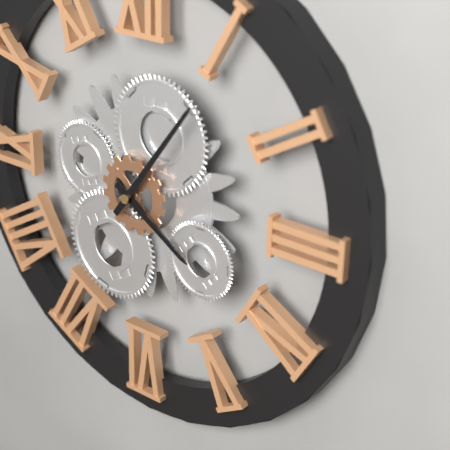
4:06
